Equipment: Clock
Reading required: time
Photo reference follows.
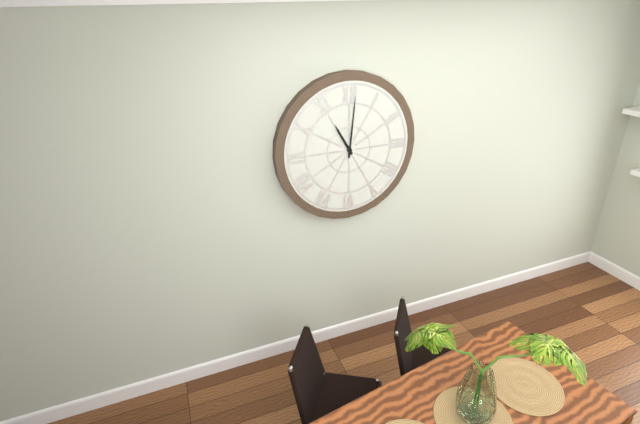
11:01
